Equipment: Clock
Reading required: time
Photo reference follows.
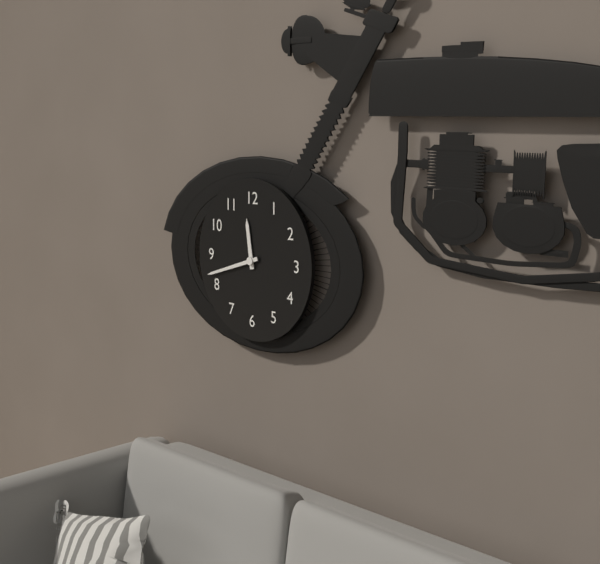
11:42
